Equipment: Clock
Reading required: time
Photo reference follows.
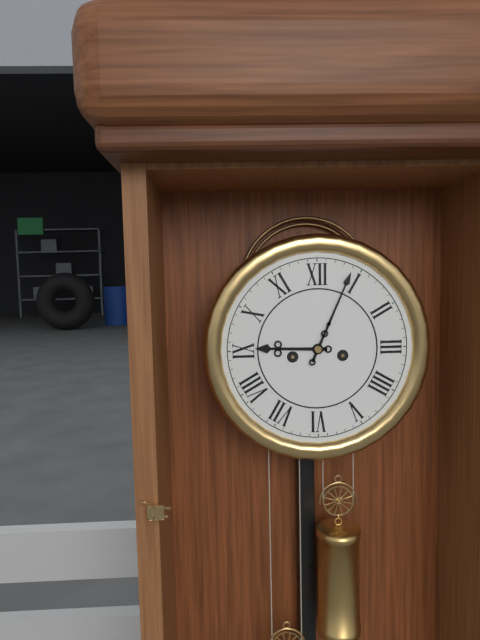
9:04
